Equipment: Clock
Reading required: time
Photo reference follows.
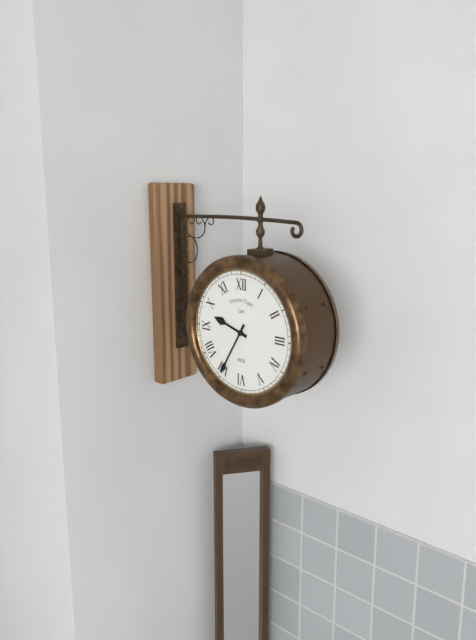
9:35
